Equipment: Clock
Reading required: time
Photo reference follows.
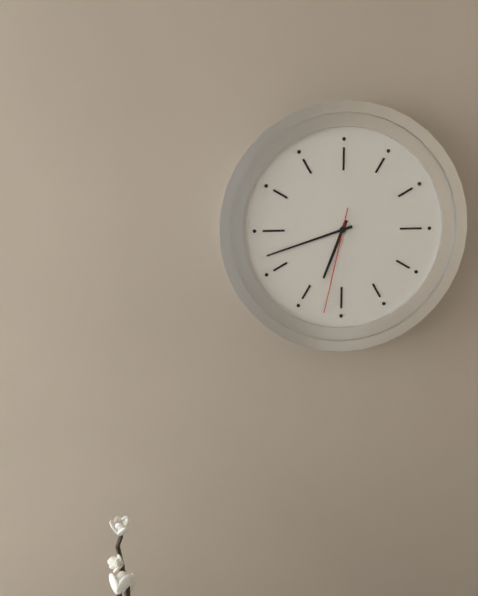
6:42:32
